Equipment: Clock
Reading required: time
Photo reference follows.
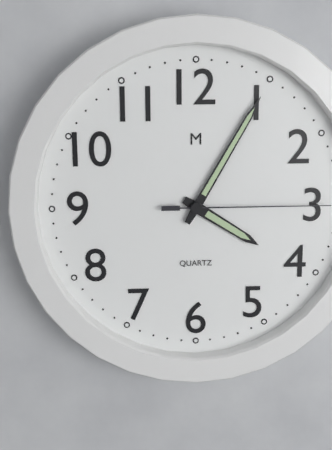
4:05:15
